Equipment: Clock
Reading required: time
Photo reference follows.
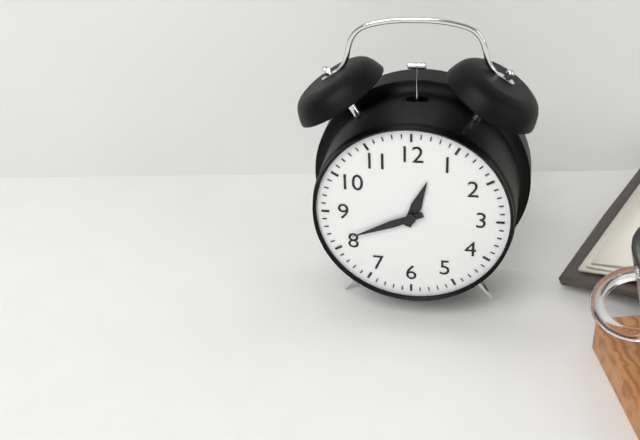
12:41
